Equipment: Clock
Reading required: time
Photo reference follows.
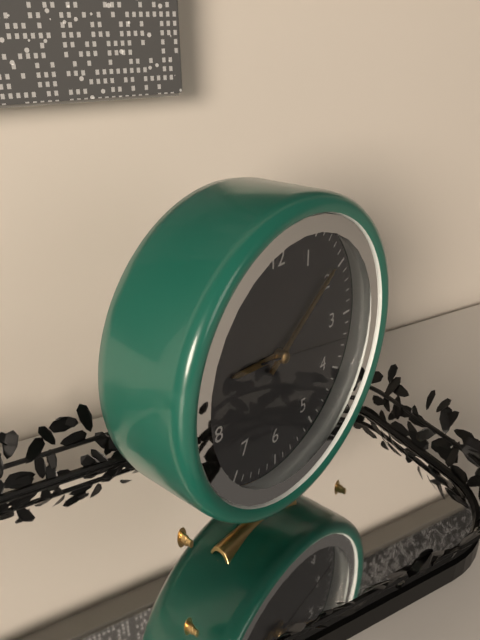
9:09:17
